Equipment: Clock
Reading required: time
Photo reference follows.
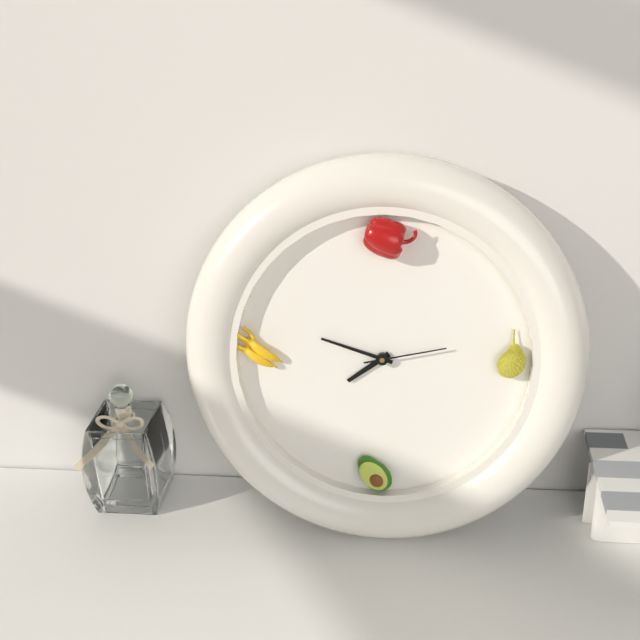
7:48:13
